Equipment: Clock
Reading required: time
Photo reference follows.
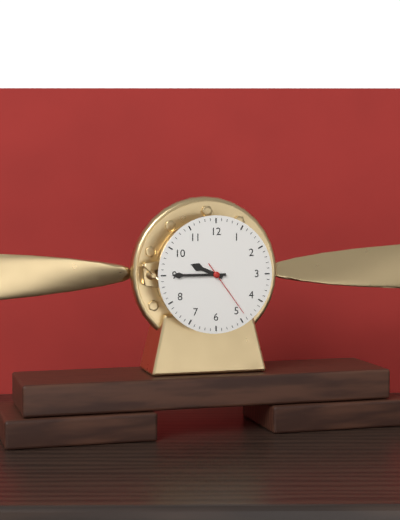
9:45:24
